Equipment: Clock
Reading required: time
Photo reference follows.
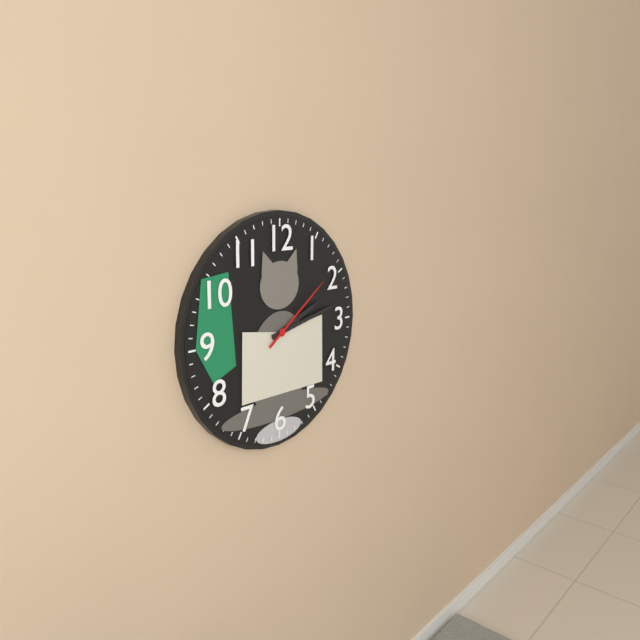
2:13:09
